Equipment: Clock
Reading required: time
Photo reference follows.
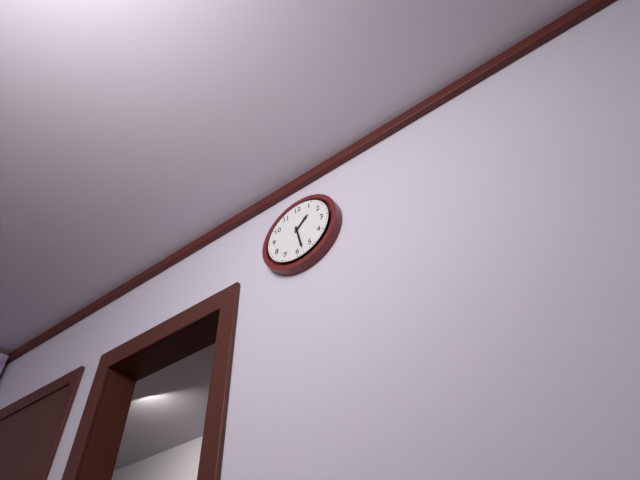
1:28
